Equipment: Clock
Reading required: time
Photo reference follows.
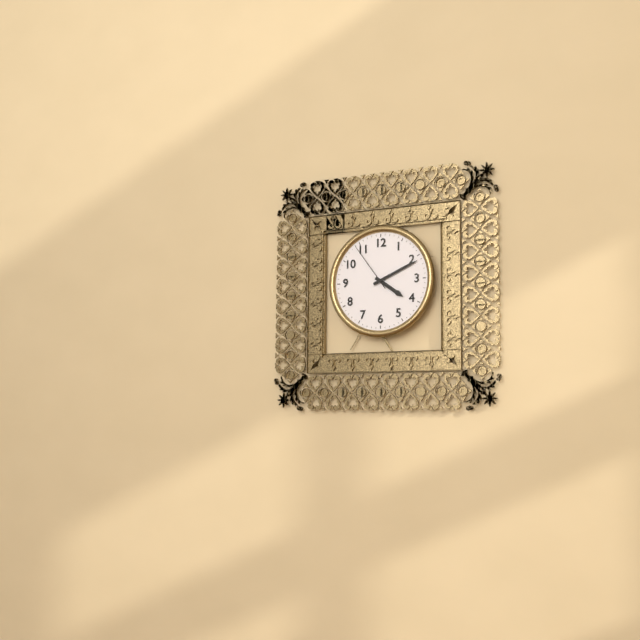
4:11:54
